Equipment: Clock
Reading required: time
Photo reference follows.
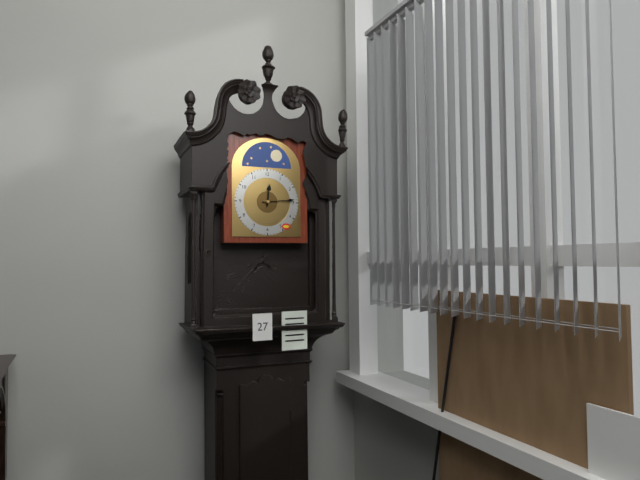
12:14
